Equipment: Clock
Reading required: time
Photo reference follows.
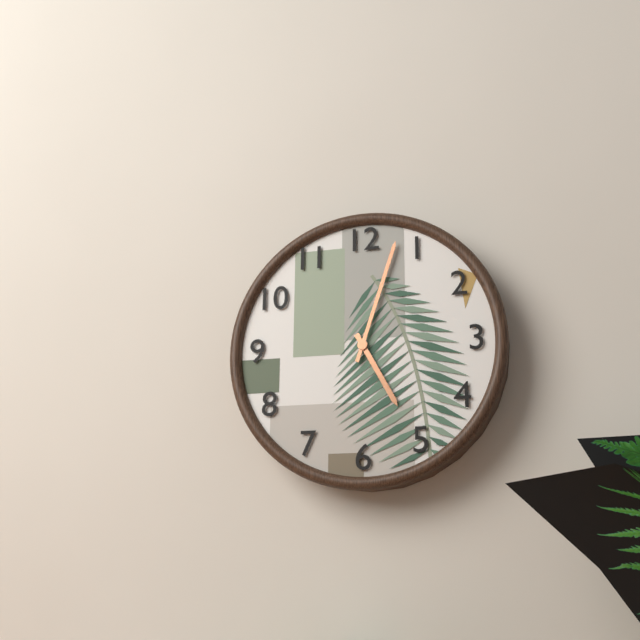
5:03
